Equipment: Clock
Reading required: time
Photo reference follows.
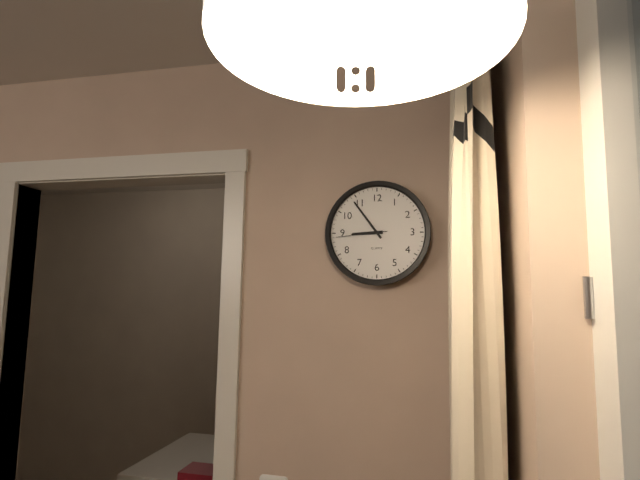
8:54:44
